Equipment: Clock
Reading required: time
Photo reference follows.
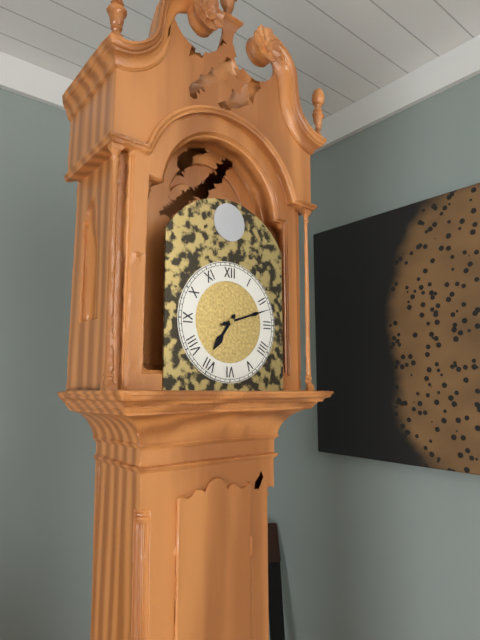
7:12
